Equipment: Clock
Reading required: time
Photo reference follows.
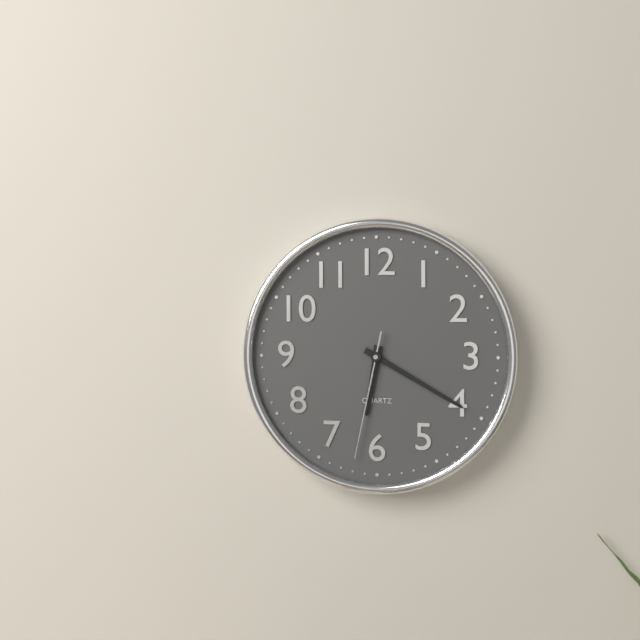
6:20:32
